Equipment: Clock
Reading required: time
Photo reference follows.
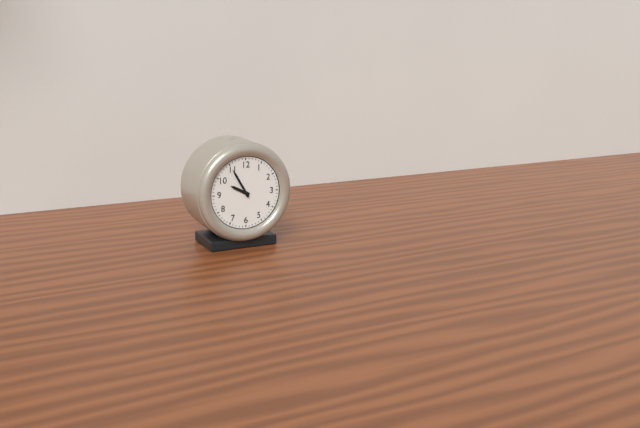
9:55
